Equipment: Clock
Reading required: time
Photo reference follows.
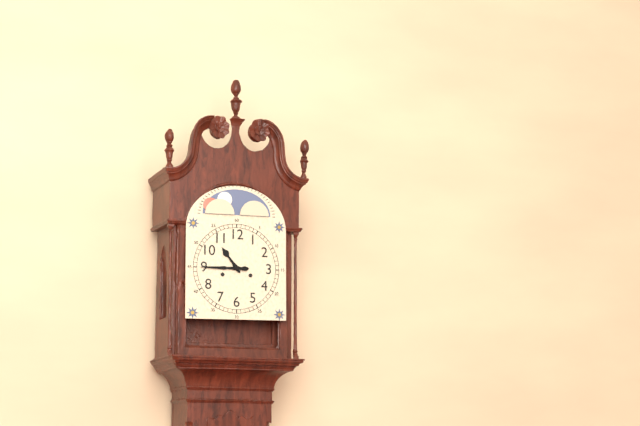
10:45
